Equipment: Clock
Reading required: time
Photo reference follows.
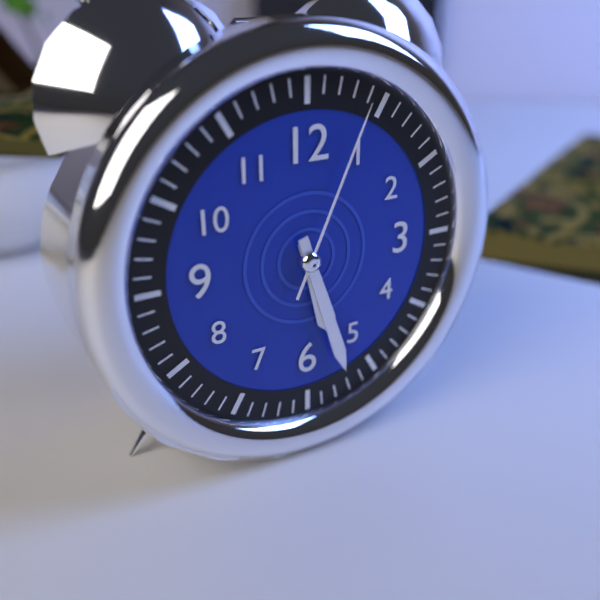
5:27:04
